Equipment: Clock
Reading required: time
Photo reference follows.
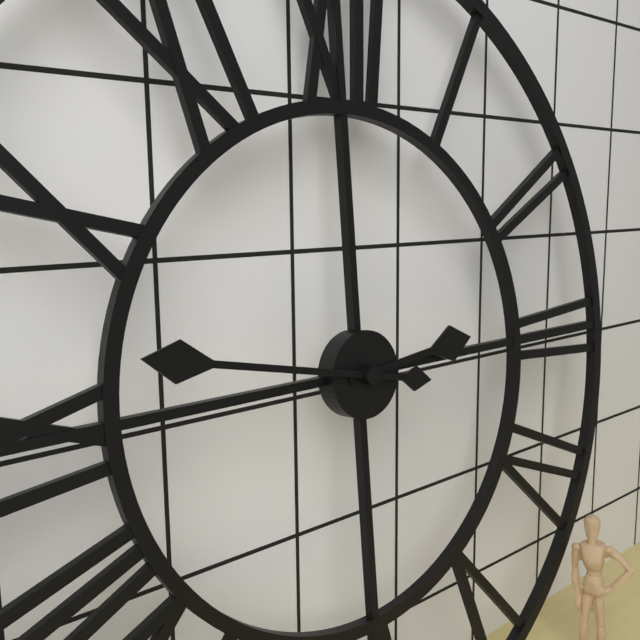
2:47
